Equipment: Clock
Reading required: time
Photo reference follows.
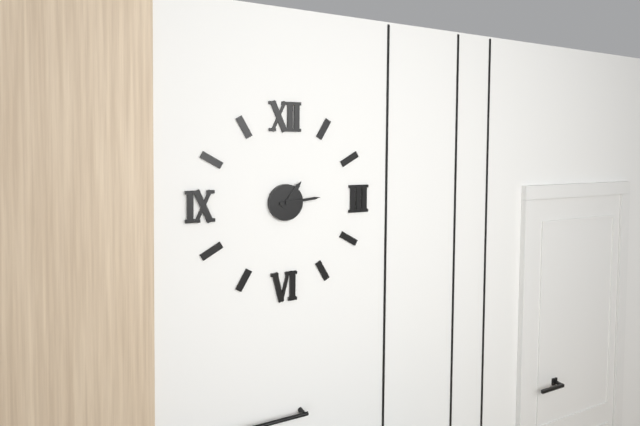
1:14
